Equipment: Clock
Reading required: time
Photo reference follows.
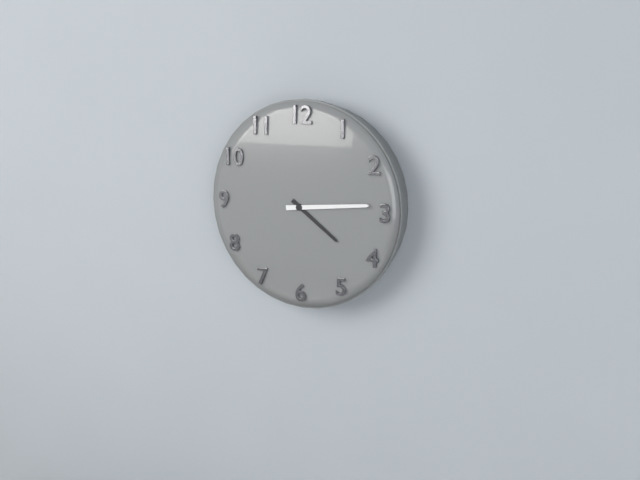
4:14
